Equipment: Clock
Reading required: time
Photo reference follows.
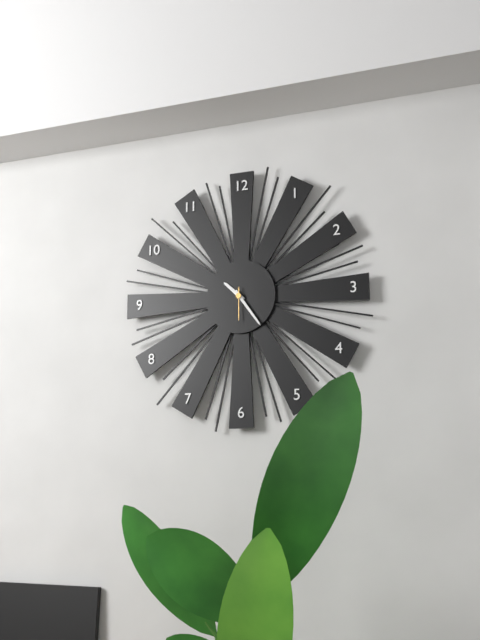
10:24
